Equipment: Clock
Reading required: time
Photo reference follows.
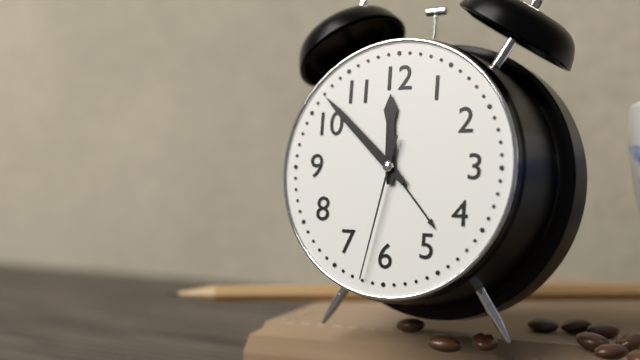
11:52:32
